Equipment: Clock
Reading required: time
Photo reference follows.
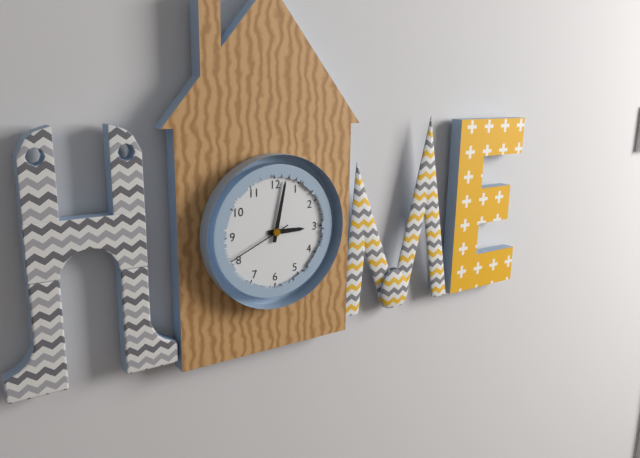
3:02:41
